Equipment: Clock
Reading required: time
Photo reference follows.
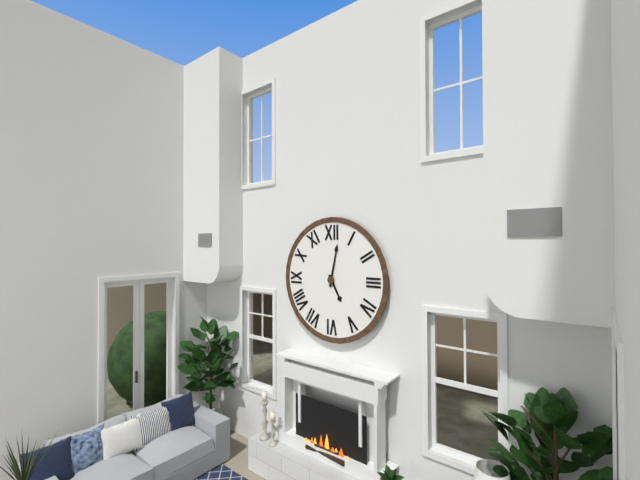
5:02
